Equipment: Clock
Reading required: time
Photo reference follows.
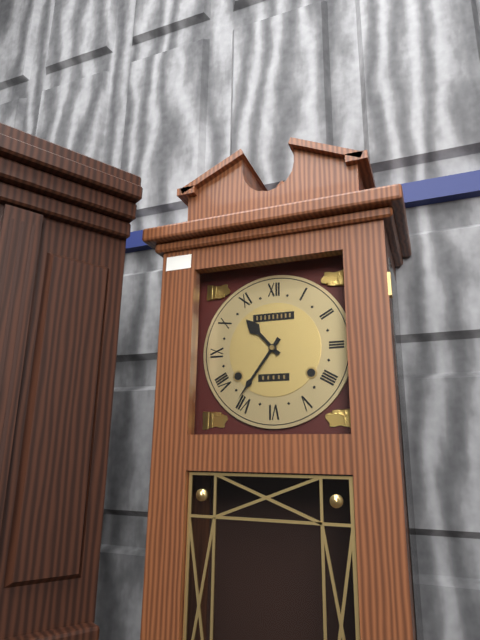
10:36
